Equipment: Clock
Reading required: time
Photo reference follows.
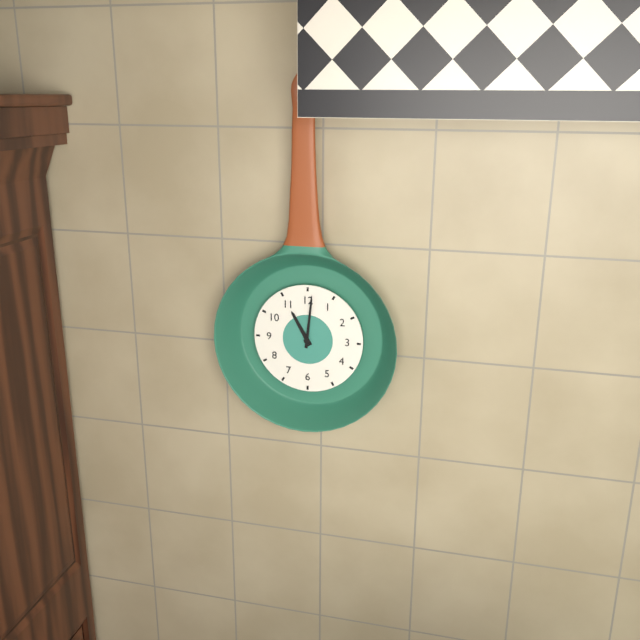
11:01
